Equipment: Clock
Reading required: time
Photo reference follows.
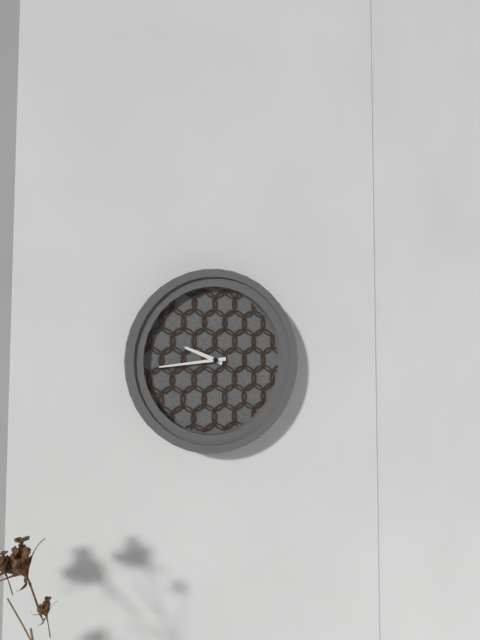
9:44
